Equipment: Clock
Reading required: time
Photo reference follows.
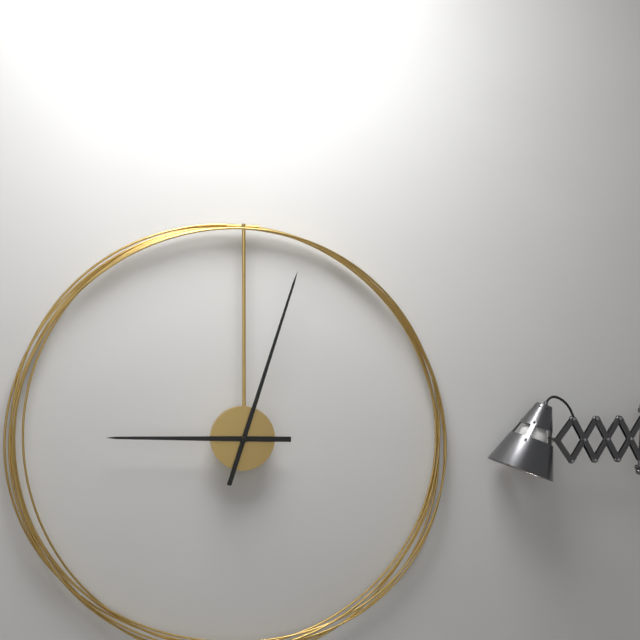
9:03
